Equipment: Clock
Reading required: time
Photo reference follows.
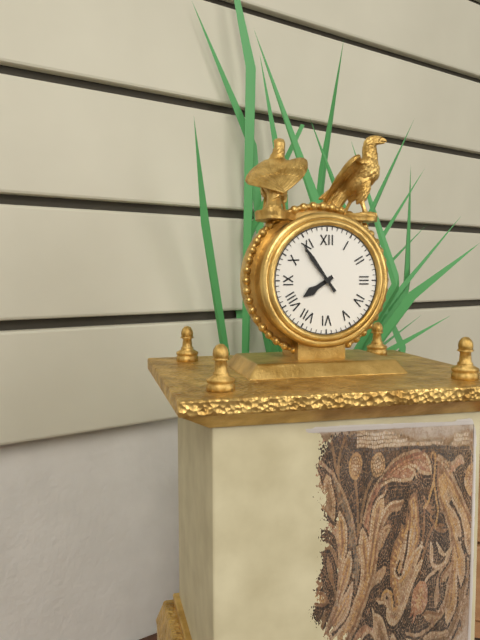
7:54
